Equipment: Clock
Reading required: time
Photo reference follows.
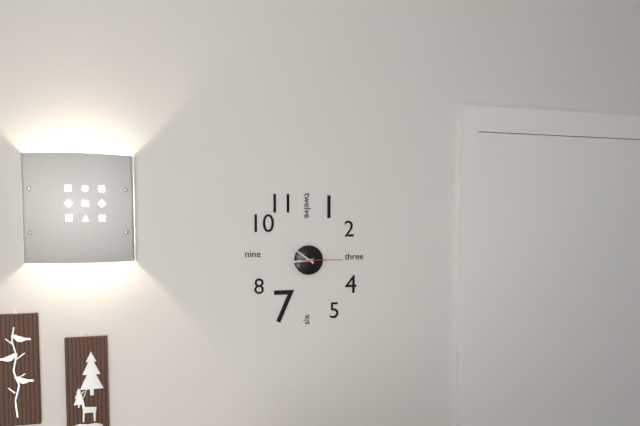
8:51
